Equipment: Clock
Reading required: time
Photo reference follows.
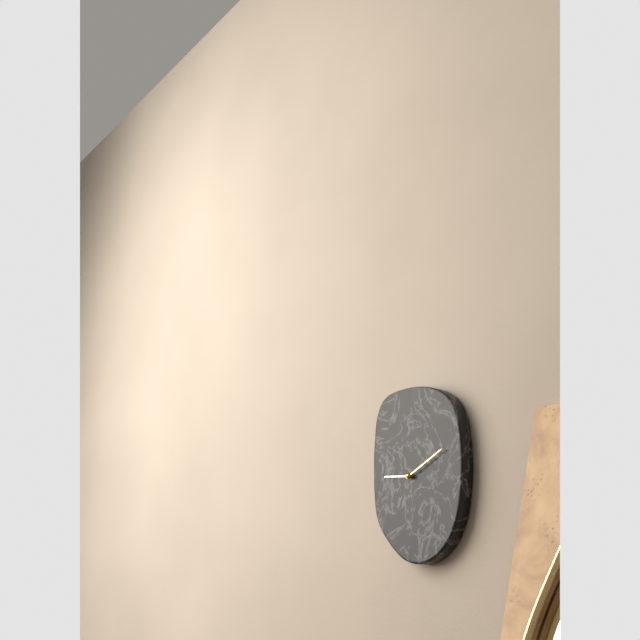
9:11
